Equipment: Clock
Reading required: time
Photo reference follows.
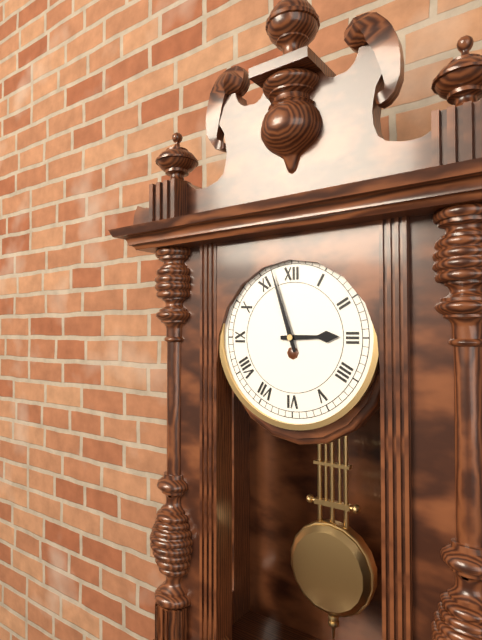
2:57
